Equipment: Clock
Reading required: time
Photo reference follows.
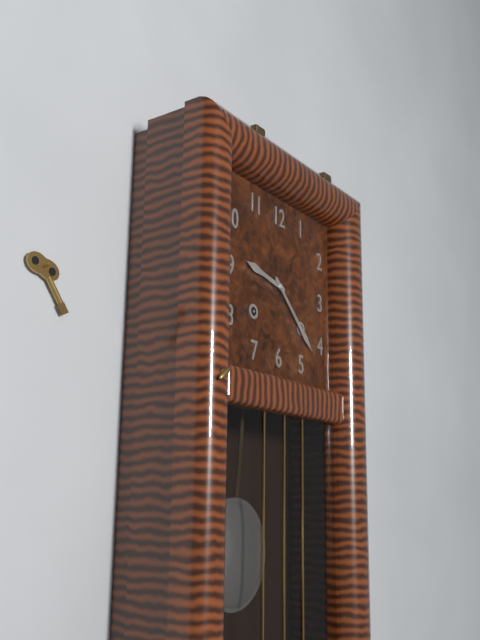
9:22
